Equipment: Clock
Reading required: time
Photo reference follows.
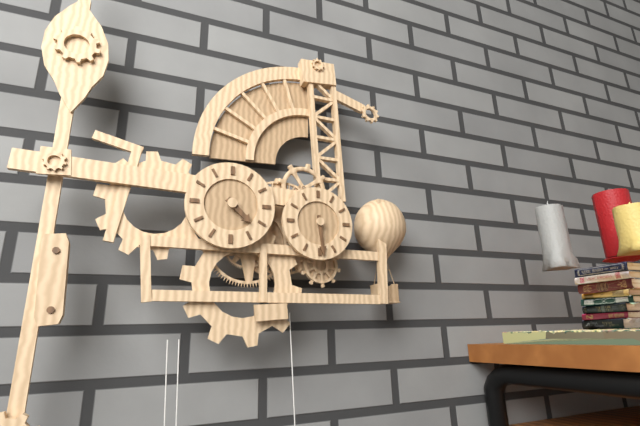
4:29
